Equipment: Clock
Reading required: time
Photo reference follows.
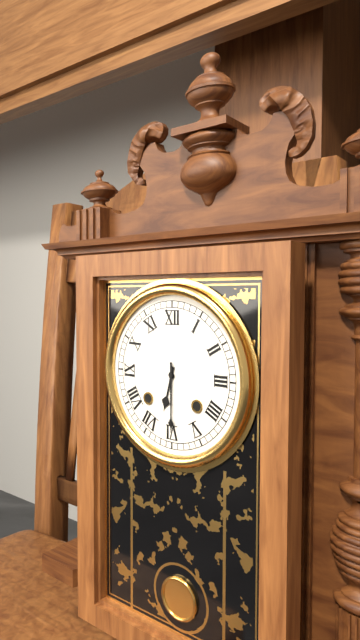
6:30
